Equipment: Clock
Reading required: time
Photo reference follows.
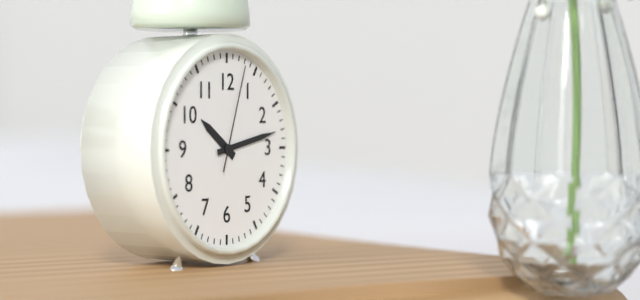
10:13:03
